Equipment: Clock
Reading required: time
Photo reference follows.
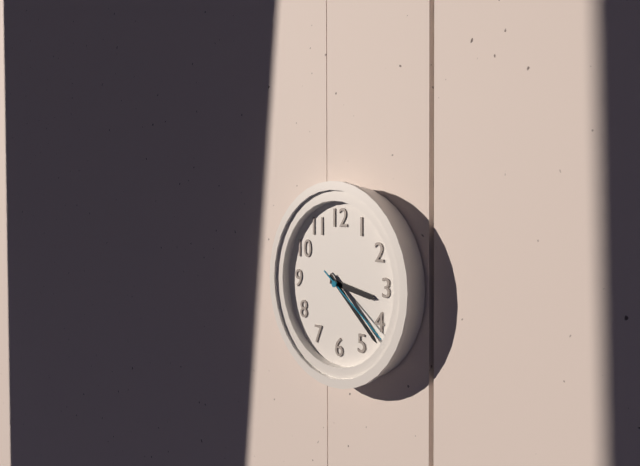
3:22:21
